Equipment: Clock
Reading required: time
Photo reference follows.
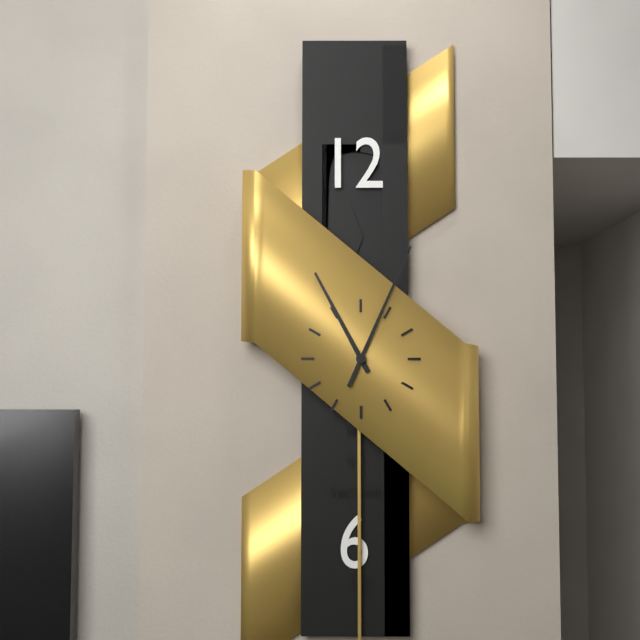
11:04
